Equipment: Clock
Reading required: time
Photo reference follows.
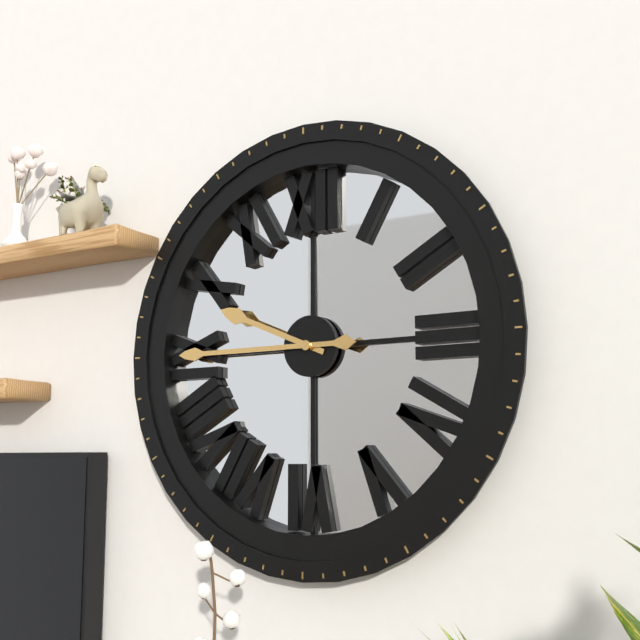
9:45
